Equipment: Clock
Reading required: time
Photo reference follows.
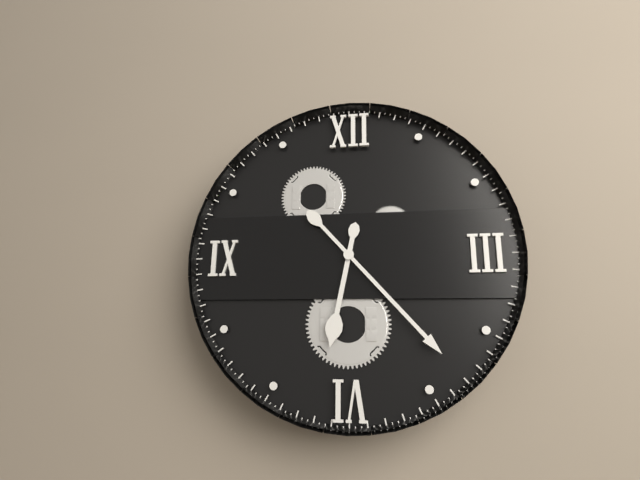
6:23
